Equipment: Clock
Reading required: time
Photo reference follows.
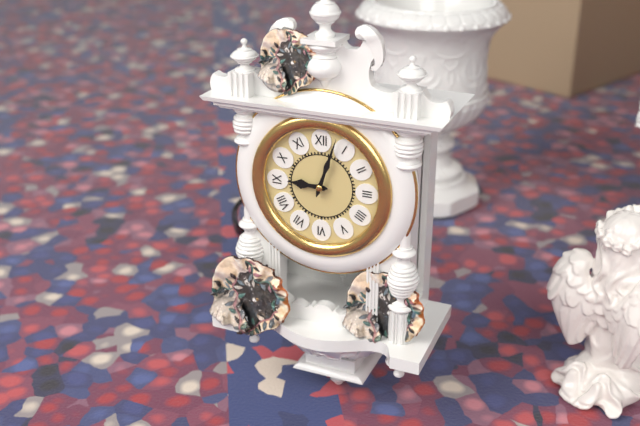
9:03
